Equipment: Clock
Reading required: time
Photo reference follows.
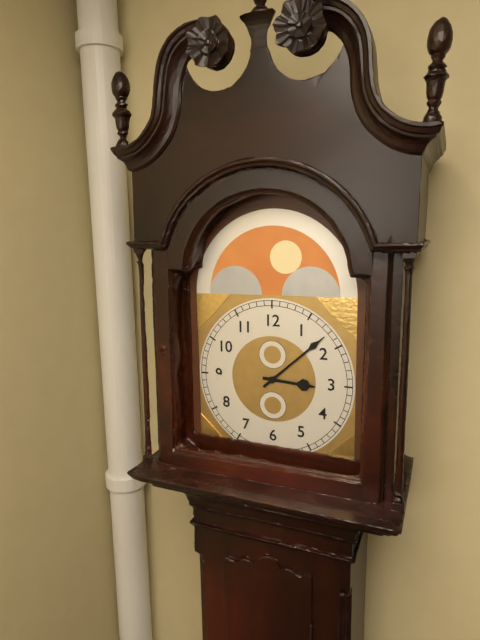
3:08
